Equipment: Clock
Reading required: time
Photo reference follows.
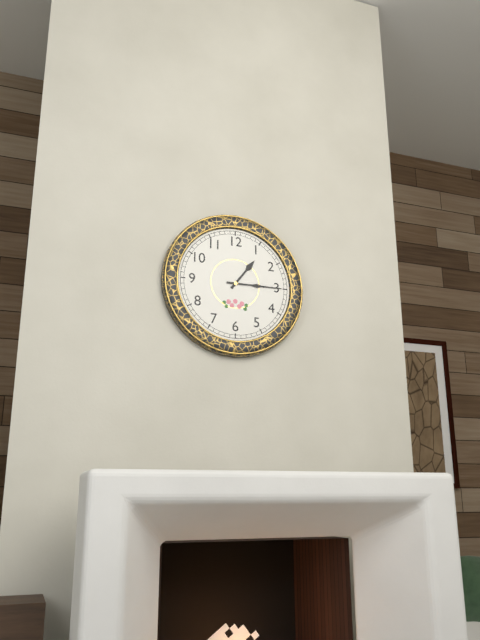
1:15
